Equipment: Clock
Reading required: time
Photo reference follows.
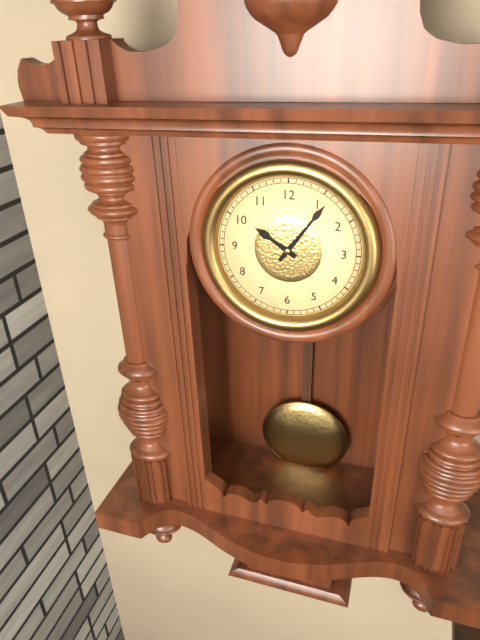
10:06
